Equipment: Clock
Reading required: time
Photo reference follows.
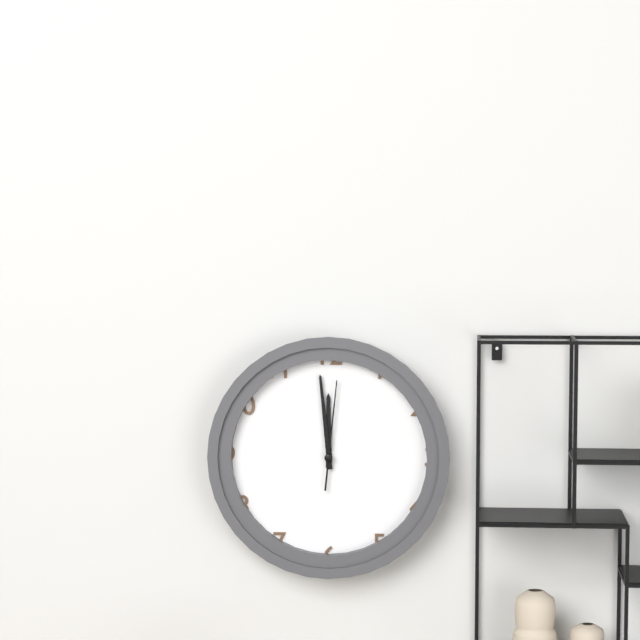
11:59:01
